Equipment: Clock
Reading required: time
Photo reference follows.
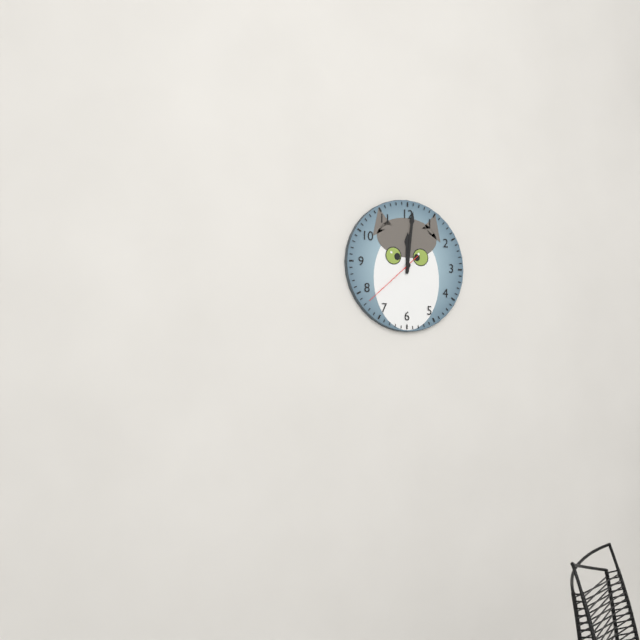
12:01:38
